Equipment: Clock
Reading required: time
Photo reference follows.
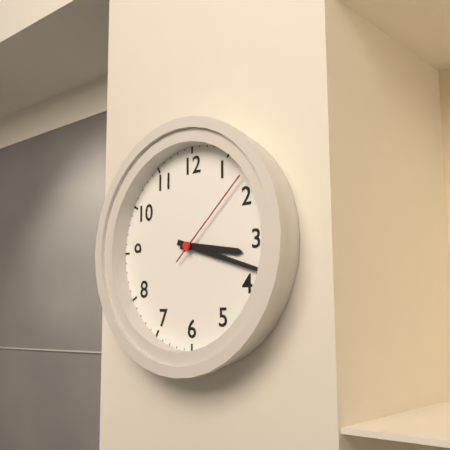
3:18:08
